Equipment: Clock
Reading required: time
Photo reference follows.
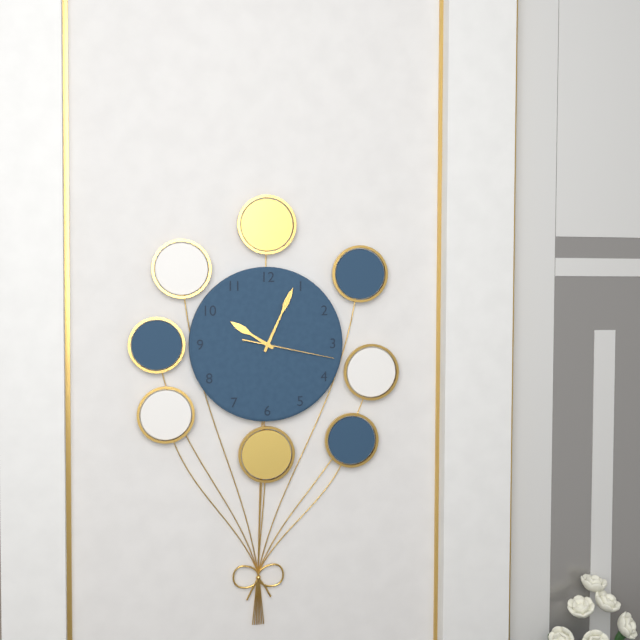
10:04:17
